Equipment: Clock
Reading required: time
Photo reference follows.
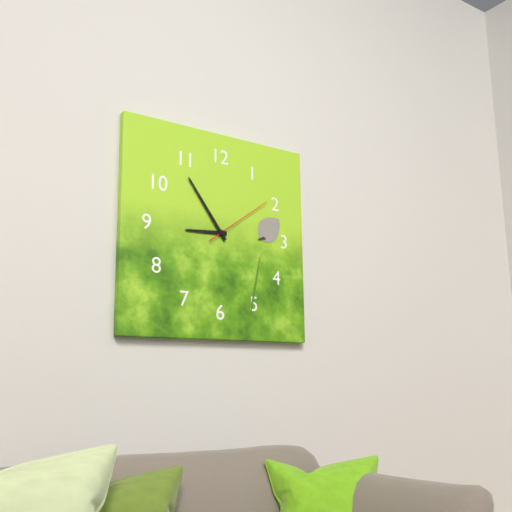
8:54:09
